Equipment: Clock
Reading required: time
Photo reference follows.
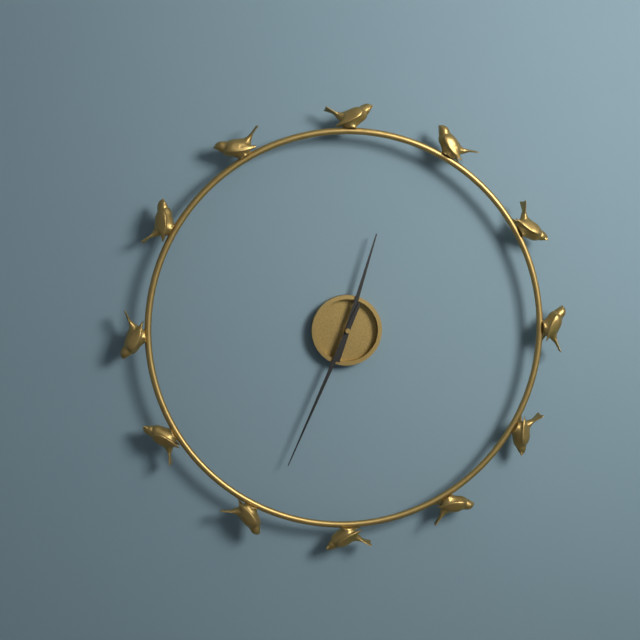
12:34
